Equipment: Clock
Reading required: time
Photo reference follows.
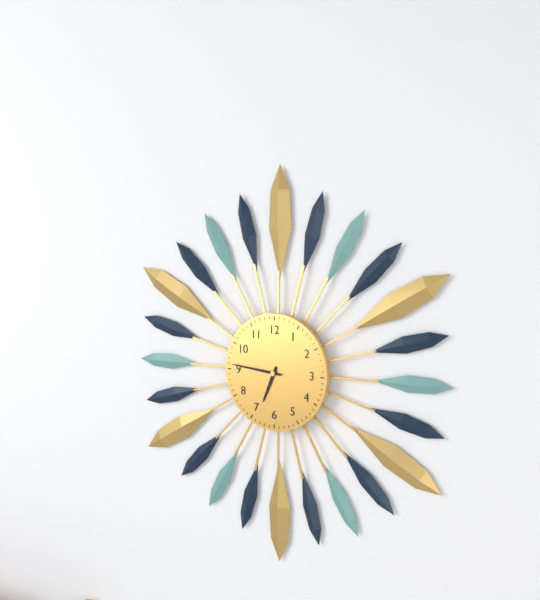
6:46
